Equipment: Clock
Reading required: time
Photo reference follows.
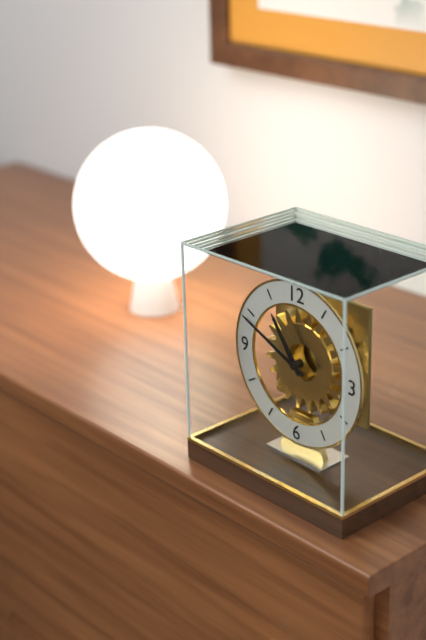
10:49
